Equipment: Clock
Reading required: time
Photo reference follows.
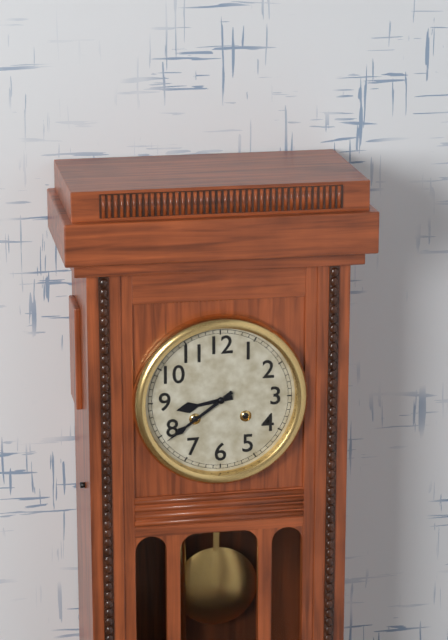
8:39
